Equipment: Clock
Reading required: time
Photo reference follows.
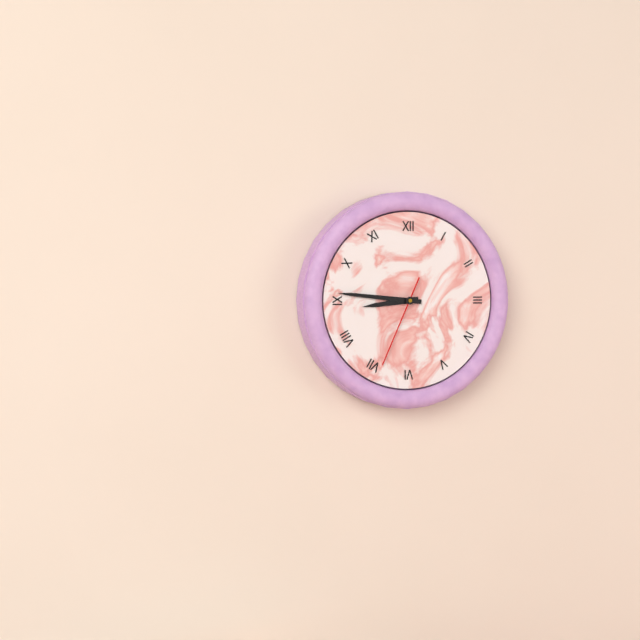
8:46:34
